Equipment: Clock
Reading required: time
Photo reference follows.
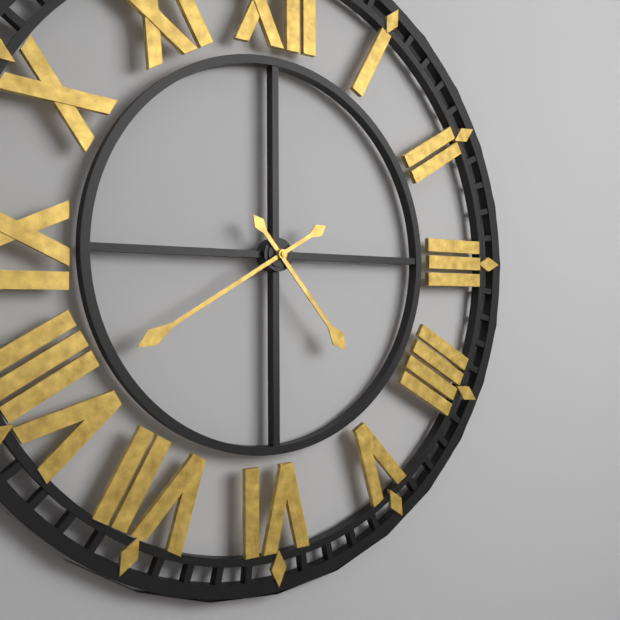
4:40
